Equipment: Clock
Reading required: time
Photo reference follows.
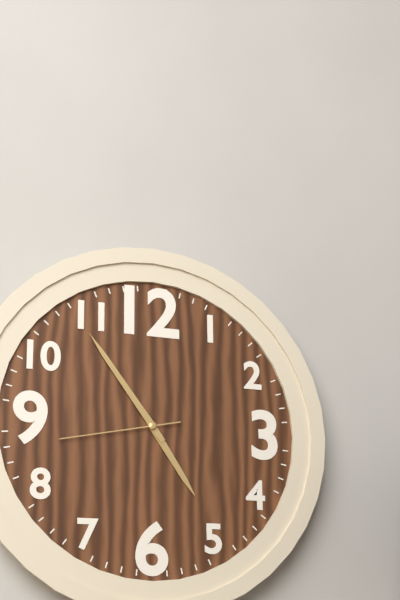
4:54:43
